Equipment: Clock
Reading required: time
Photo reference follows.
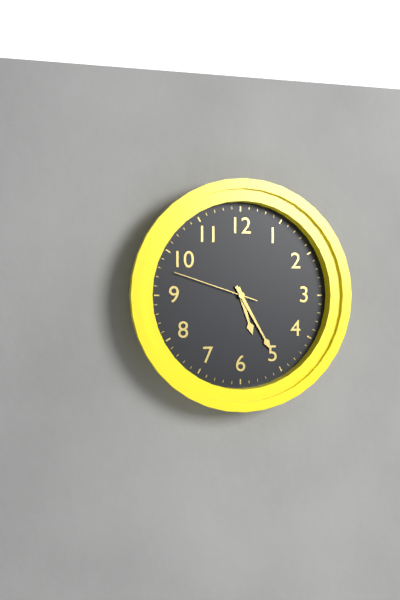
5:25:48
